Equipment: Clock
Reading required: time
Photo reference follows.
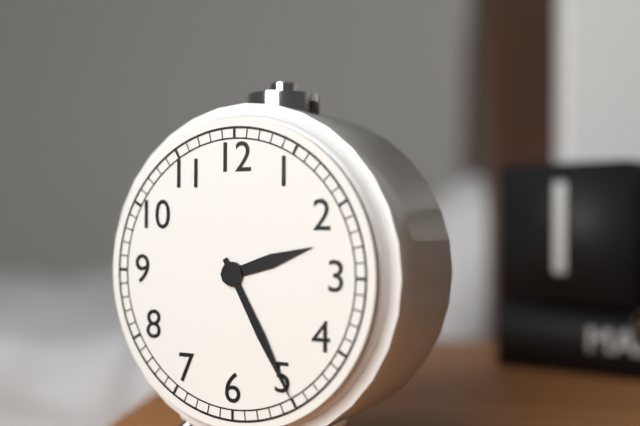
2:25
